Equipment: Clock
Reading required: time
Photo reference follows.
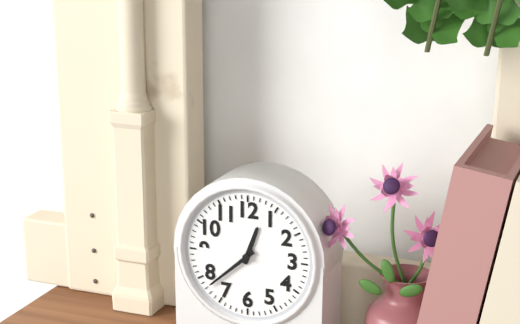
12:38
